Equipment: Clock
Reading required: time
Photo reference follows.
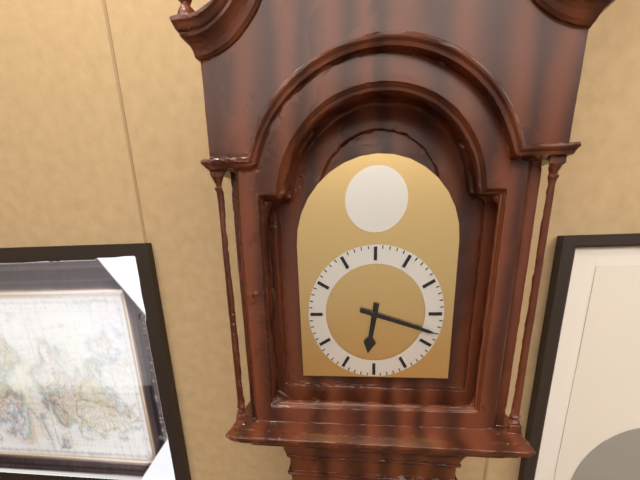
6:18
